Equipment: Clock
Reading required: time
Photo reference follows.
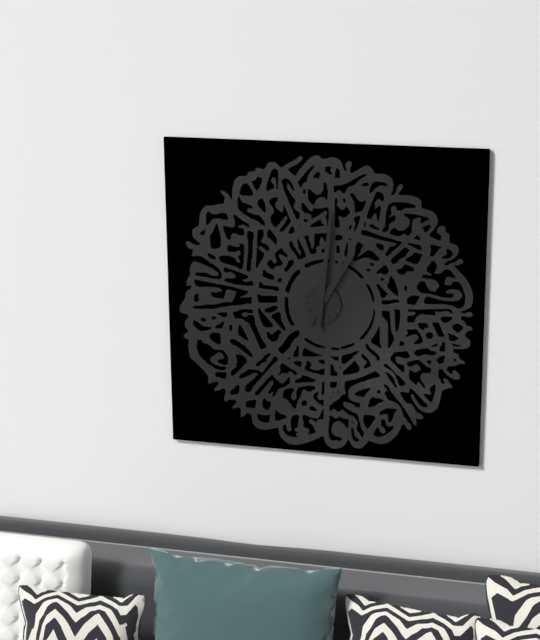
1:01
